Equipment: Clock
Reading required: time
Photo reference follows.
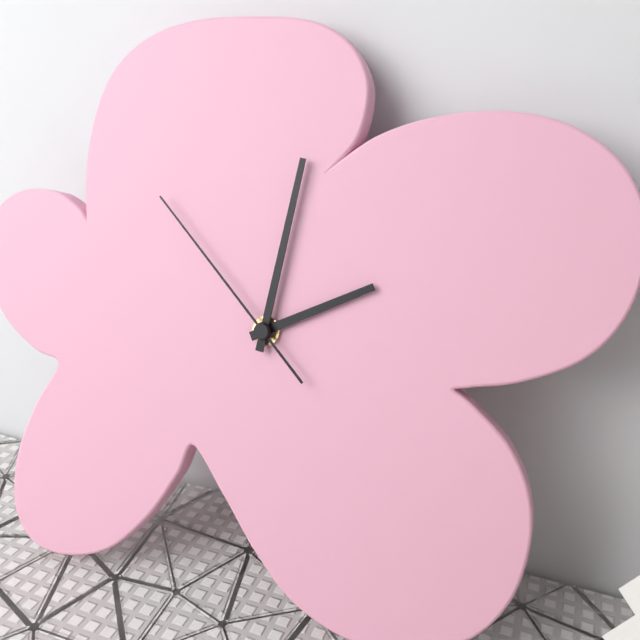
2:01:52
